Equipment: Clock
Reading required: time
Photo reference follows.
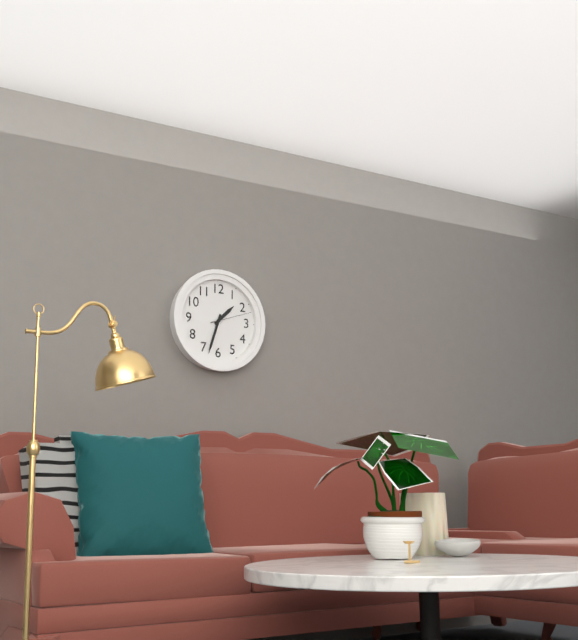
1:33
